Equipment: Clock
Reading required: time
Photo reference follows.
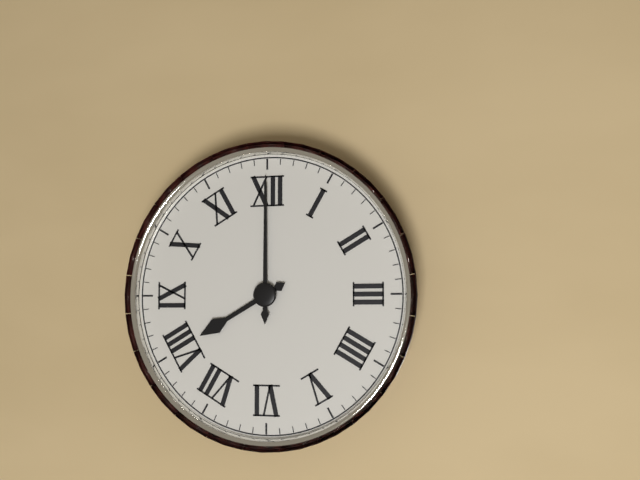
8:00
